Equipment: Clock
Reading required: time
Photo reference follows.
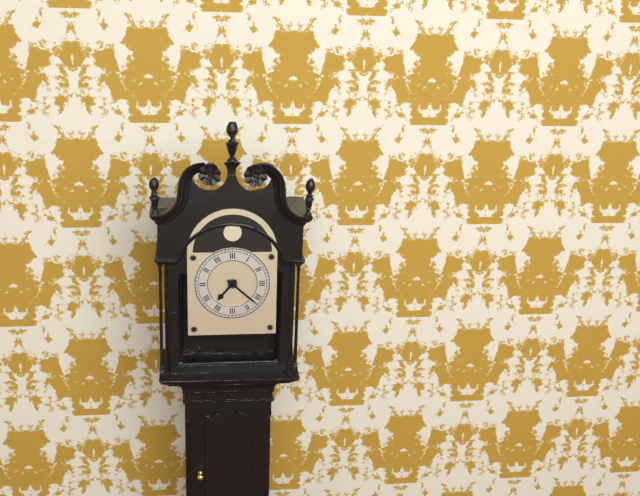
7:22
